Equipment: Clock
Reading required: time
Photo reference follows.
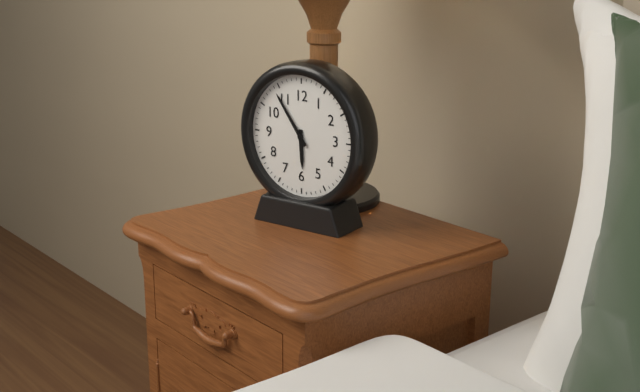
5:54
